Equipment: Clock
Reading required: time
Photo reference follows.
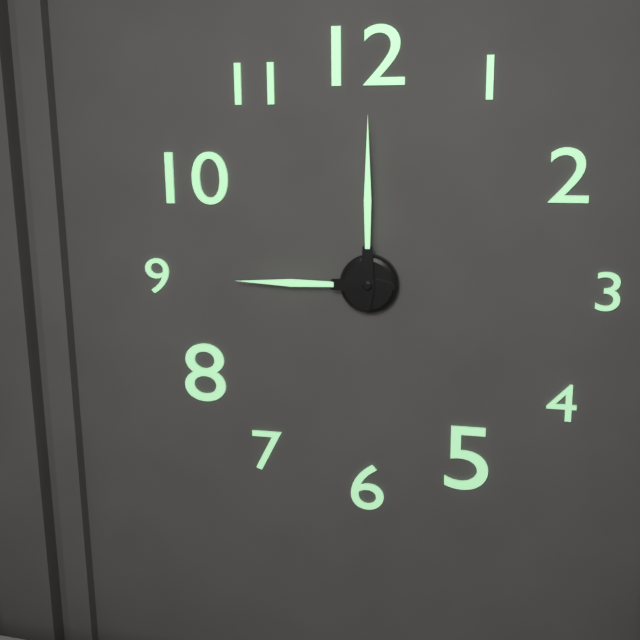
9:00
